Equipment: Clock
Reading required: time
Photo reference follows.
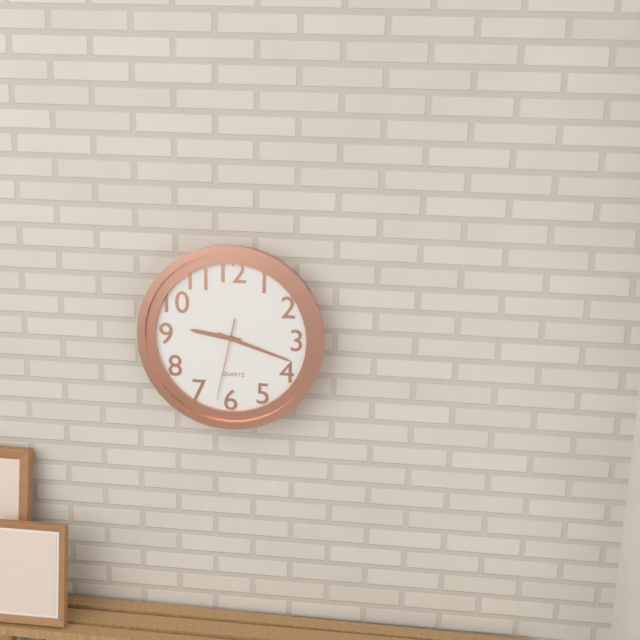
9:18:32
